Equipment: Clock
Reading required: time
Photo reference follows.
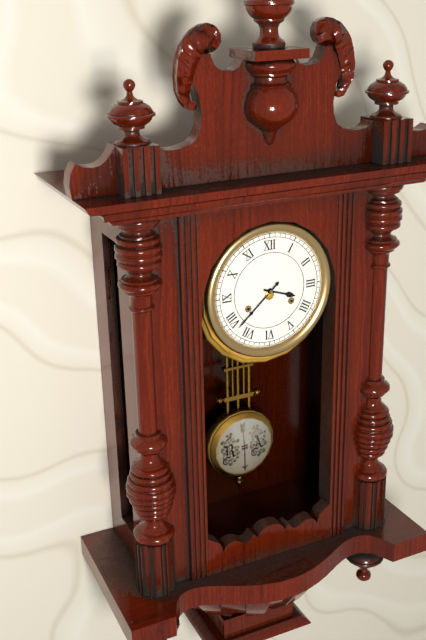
3:38
